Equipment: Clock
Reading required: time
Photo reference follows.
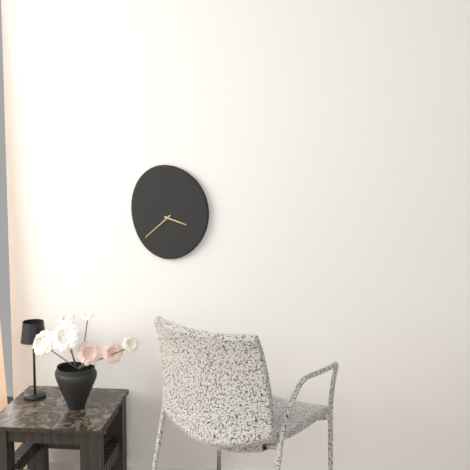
3:38
